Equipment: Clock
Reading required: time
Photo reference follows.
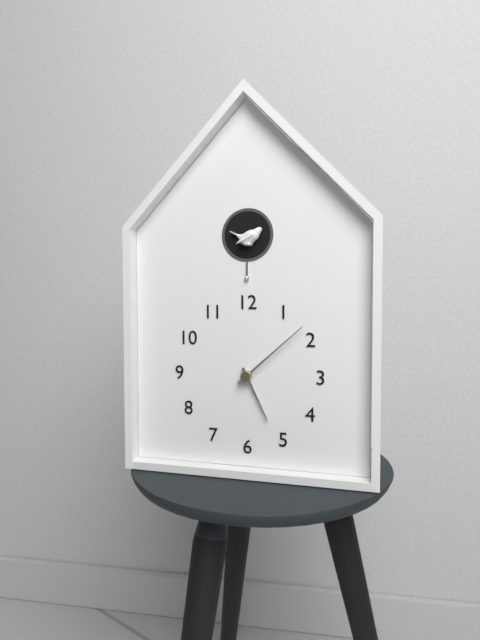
5:08
